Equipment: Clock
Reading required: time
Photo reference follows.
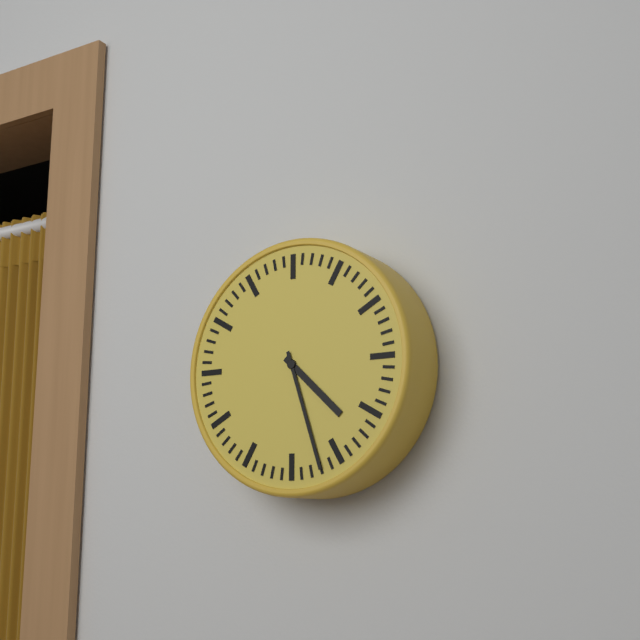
4:27
